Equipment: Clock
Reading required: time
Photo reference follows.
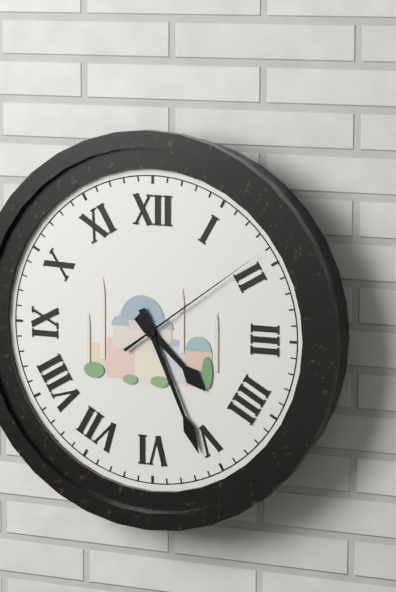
4:26:09
